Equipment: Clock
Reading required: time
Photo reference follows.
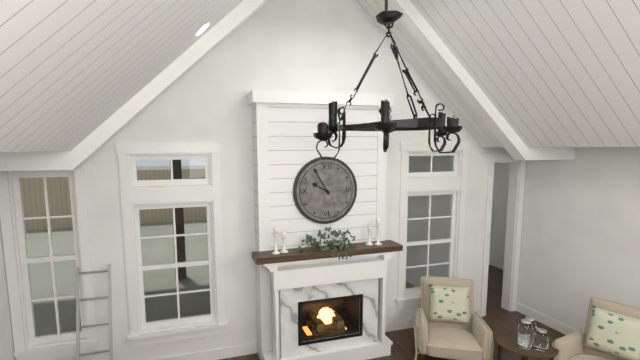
9:55
